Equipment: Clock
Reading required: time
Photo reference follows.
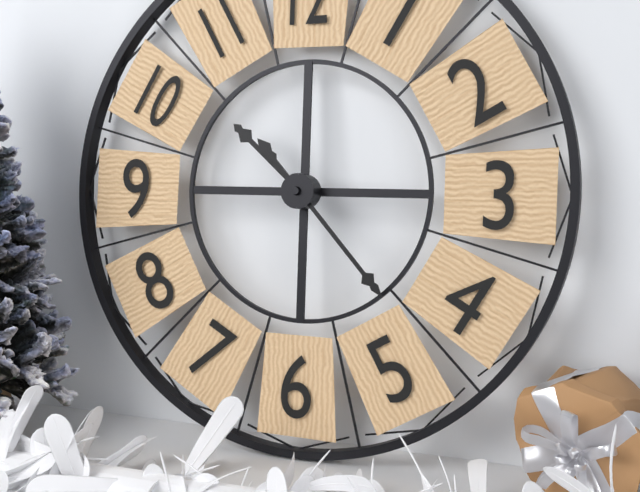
10:23
